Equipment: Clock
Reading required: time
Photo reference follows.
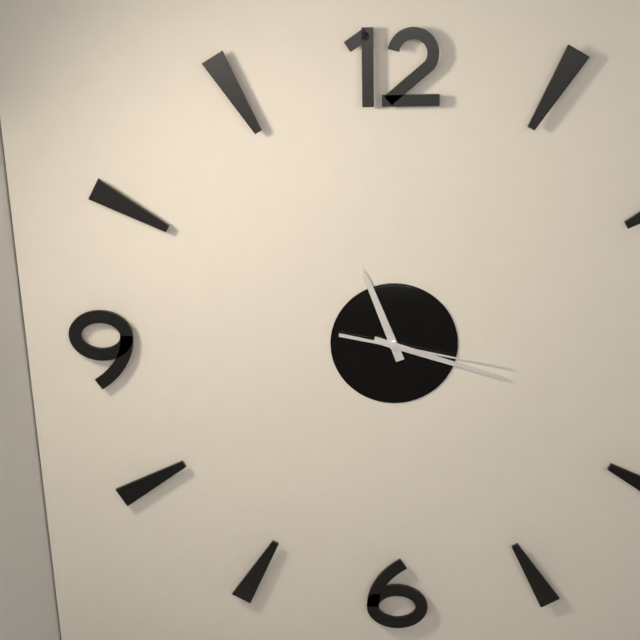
11:18:17
